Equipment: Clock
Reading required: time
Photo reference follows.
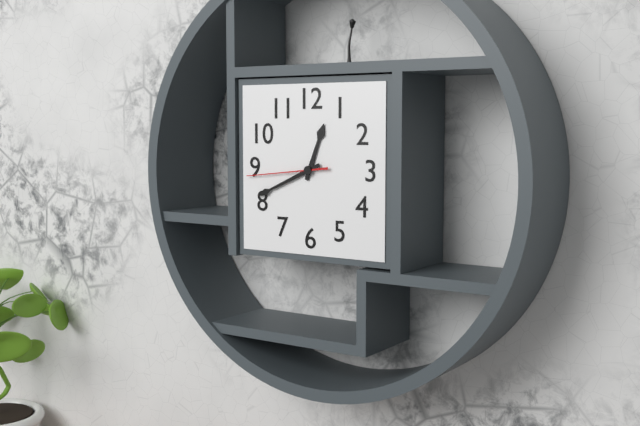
12:41:44
